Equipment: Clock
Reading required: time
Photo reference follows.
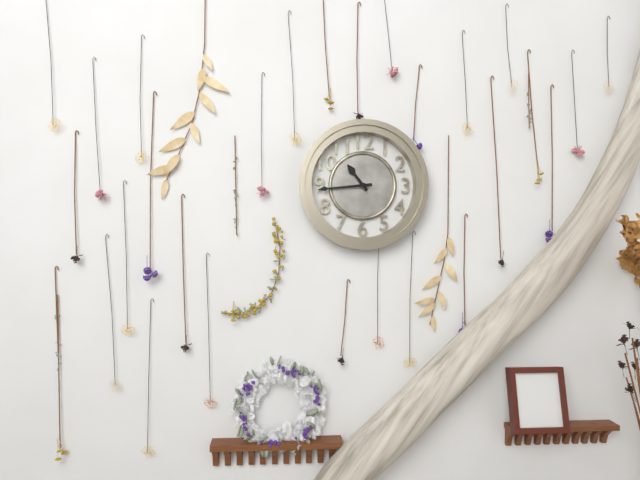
10:44
